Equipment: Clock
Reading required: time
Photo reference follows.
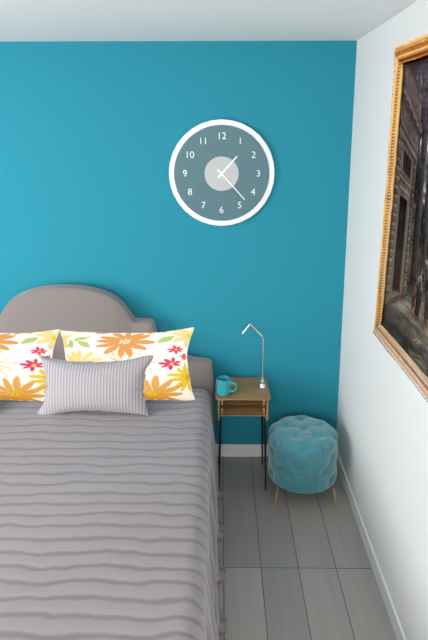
1:23
